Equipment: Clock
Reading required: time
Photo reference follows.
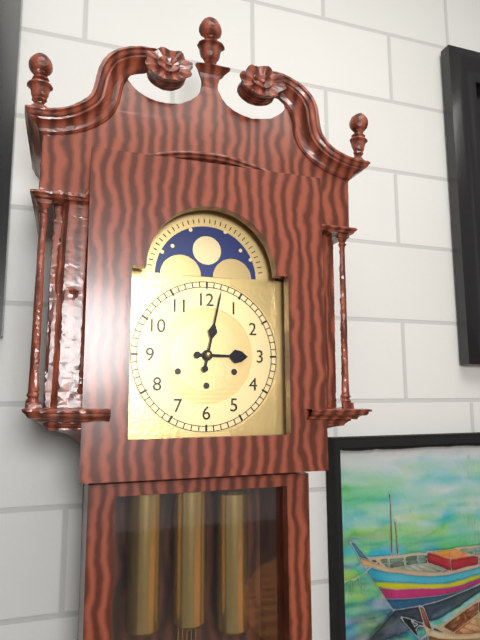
3:02
